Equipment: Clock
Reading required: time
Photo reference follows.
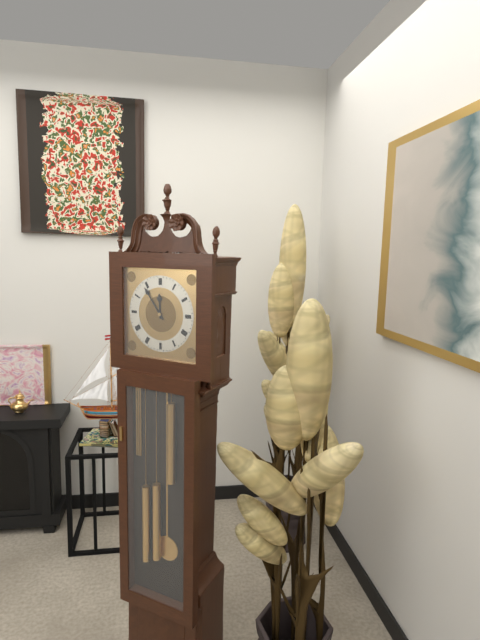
11:54
